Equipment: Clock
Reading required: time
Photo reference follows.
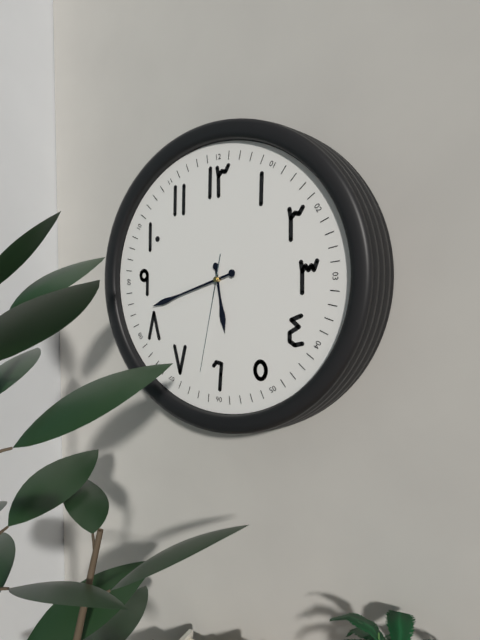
5:42:32
